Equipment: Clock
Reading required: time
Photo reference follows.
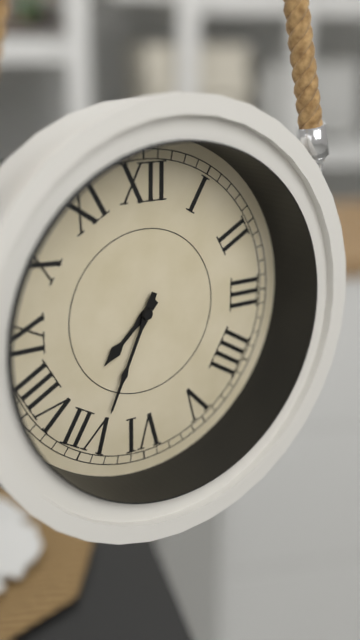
7:34
